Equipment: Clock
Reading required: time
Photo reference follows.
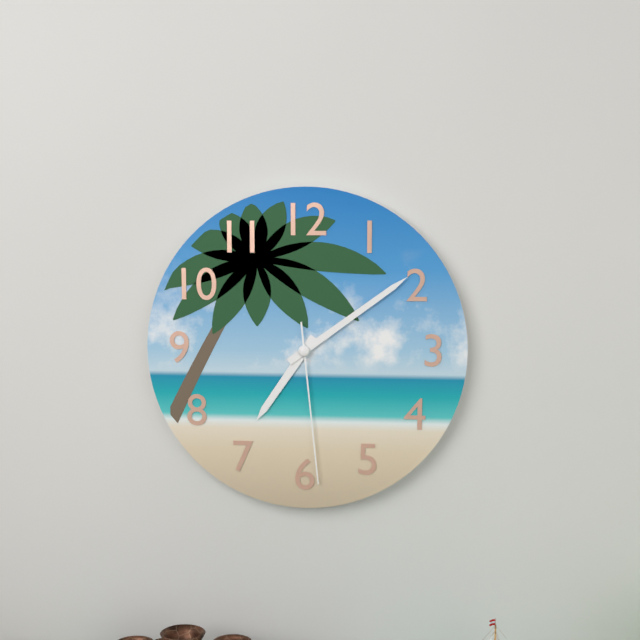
7:09:29
